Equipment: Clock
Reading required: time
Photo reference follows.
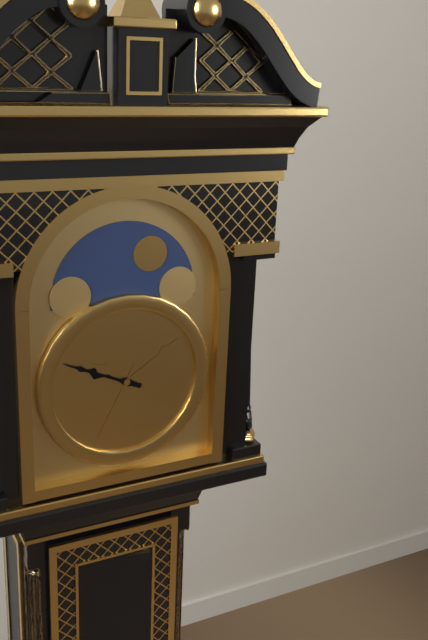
9:49
